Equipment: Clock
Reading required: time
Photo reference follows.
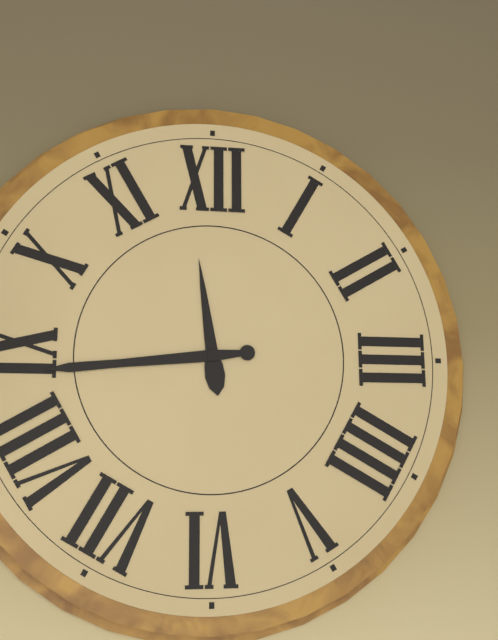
11:44
